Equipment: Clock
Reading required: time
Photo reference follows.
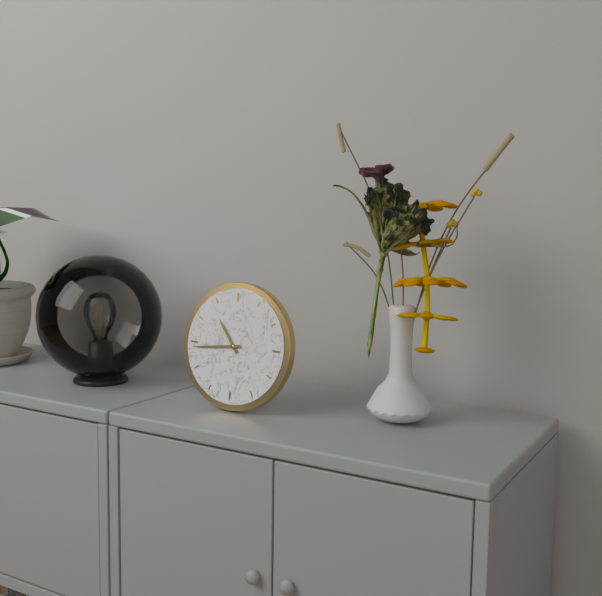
10:44
